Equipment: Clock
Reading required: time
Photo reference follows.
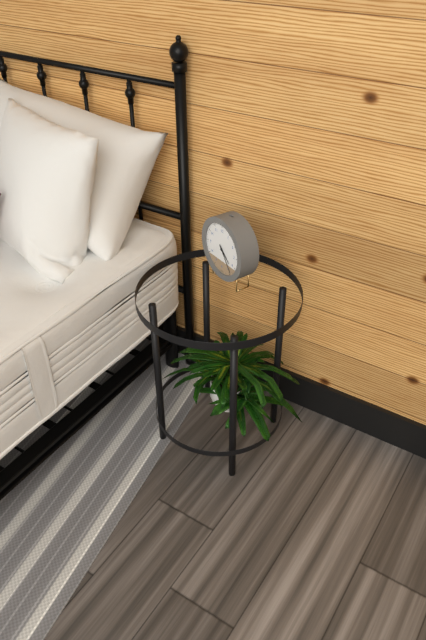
4:24
